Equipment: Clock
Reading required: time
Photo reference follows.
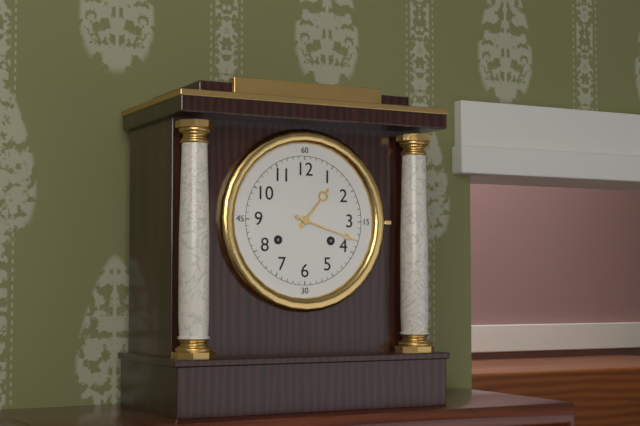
1:18
